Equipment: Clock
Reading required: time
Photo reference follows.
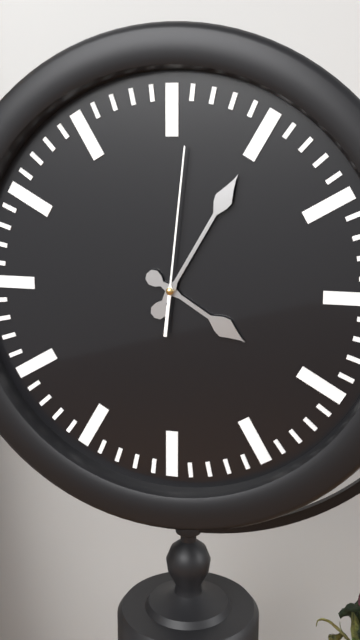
4:05:01
